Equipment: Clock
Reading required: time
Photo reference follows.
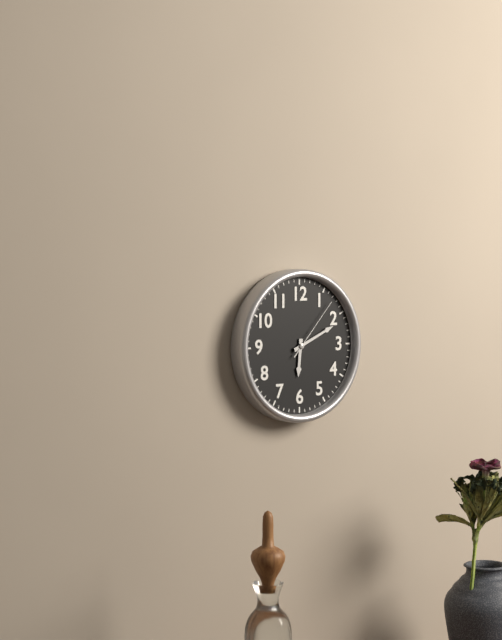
6:11:07
